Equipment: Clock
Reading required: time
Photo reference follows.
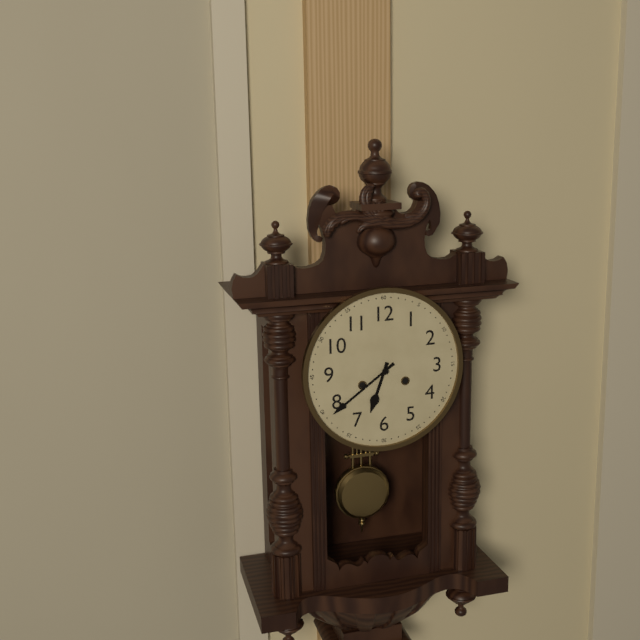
6:39
